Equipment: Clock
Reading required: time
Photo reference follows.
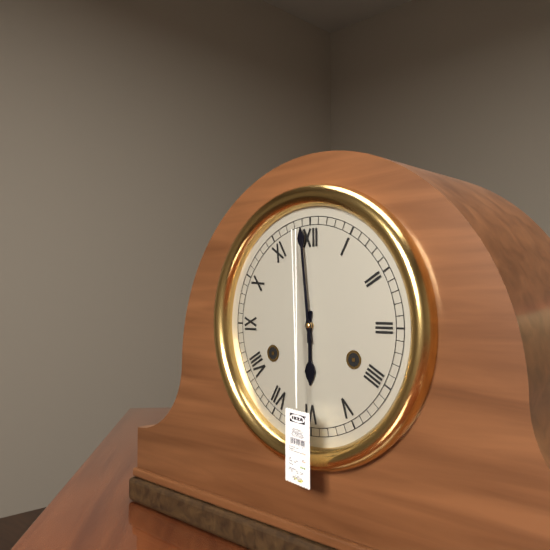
5:59
